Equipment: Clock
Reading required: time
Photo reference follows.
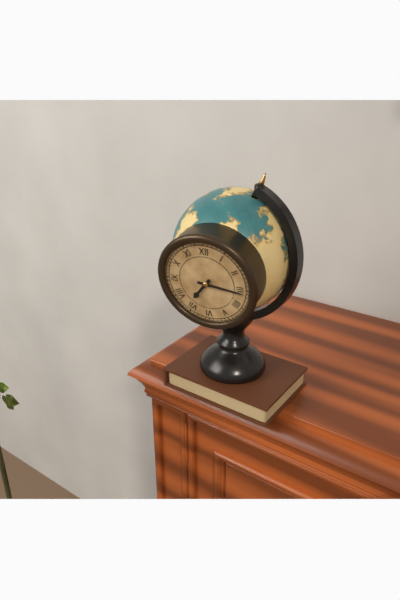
7:16
